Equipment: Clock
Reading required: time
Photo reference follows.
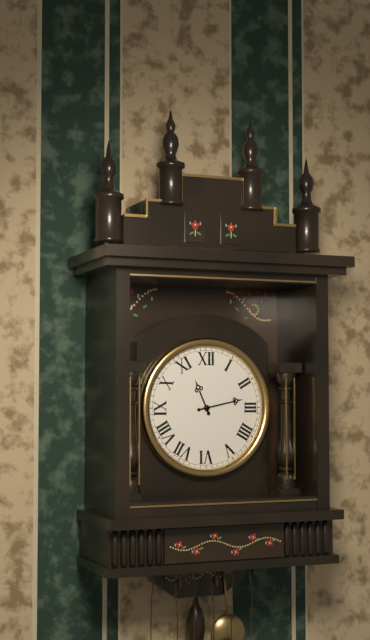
11:13
